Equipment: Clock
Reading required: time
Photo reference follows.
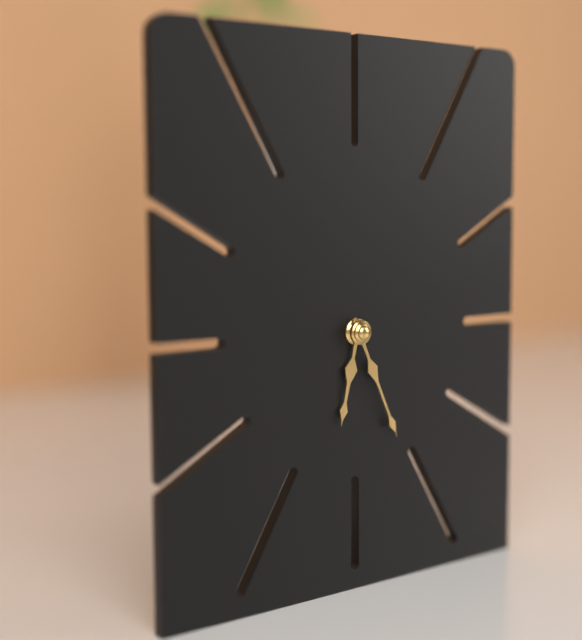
6:26
